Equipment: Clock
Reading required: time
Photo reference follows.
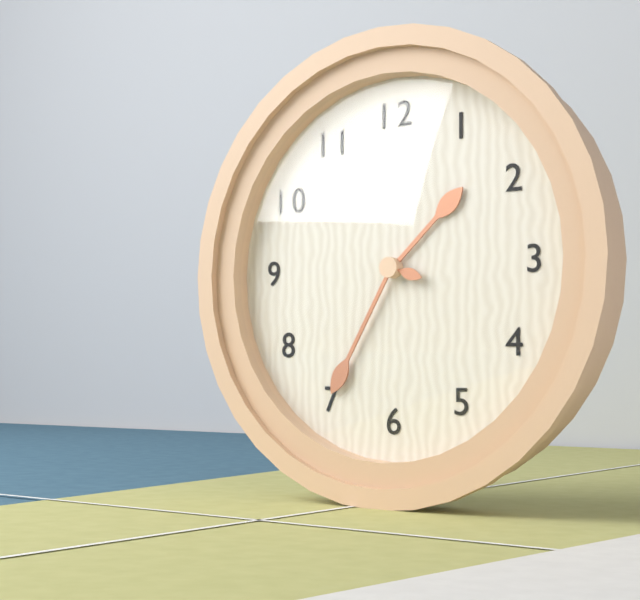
1:35
